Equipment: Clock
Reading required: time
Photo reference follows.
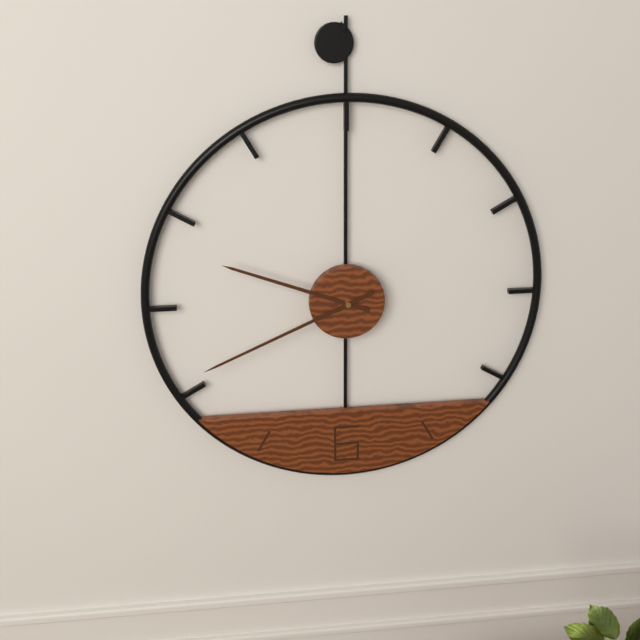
9:41
